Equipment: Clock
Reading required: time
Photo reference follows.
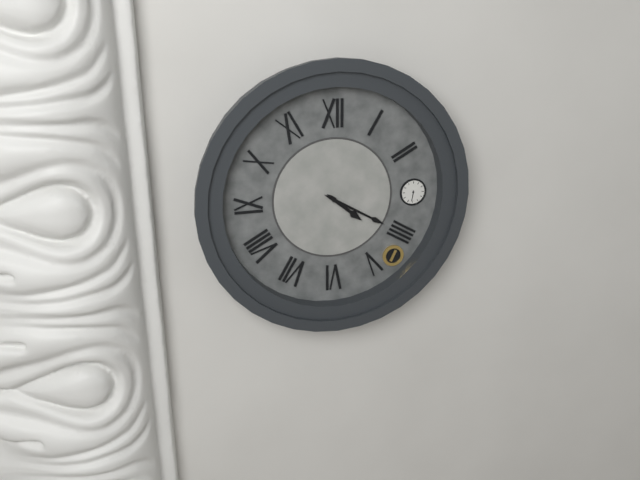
4:20
